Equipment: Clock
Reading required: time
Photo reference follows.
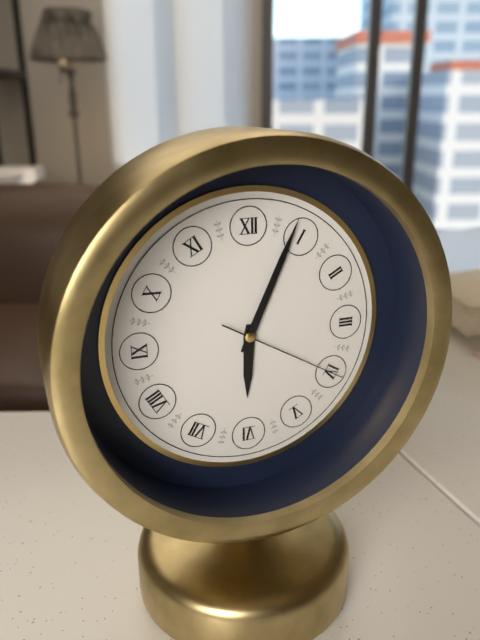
6:04:20
